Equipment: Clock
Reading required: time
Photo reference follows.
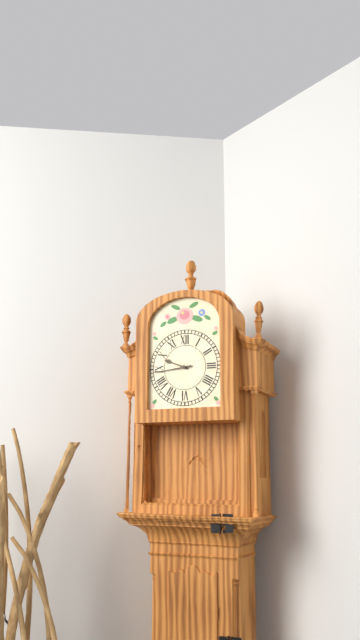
9:44
